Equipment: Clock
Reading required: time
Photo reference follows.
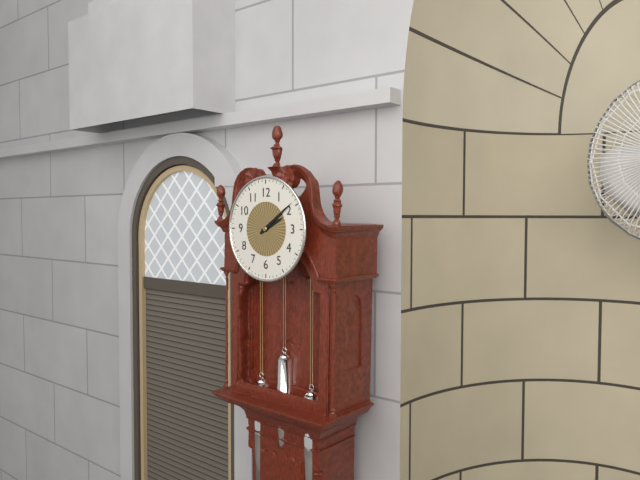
2:09
